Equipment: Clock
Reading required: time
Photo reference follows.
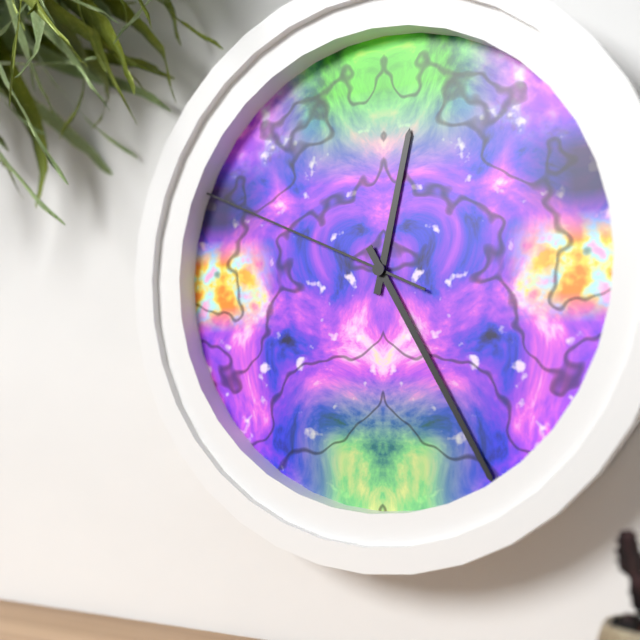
12:25:49
